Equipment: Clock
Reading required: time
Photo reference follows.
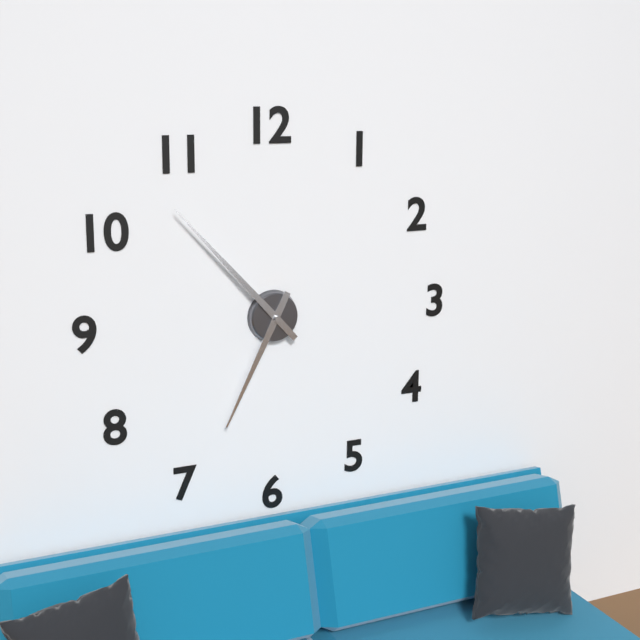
6:53
